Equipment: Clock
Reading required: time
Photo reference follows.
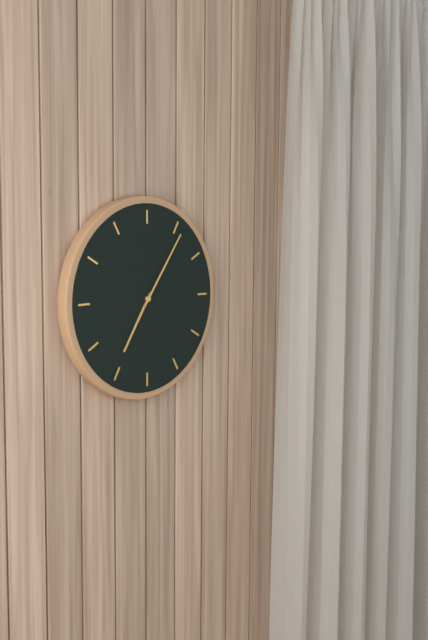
7:06
